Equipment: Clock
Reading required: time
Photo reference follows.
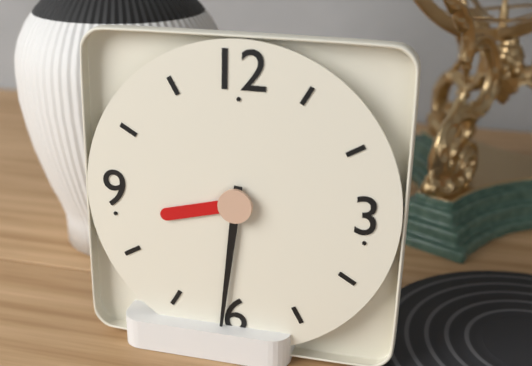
8:31
